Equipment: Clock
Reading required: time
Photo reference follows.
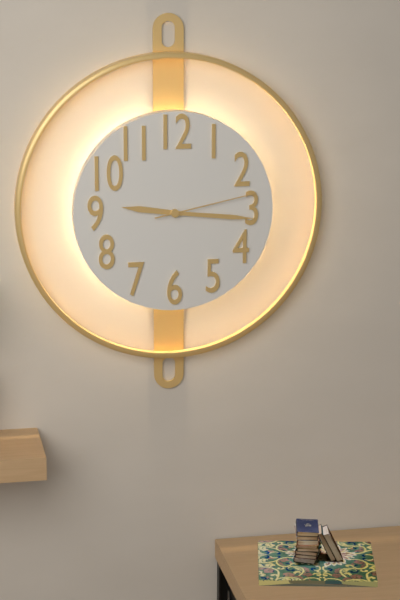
9:16:13
